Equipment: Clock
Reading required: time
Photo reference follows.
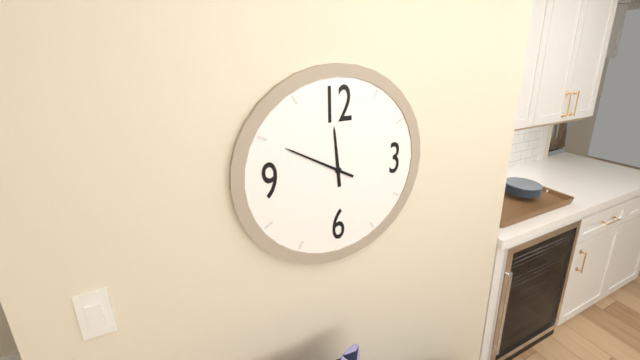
11:50
